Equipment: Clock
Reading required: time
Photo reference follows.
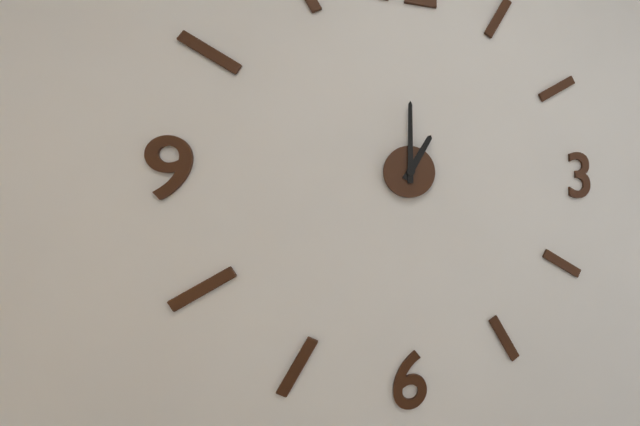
1:00
